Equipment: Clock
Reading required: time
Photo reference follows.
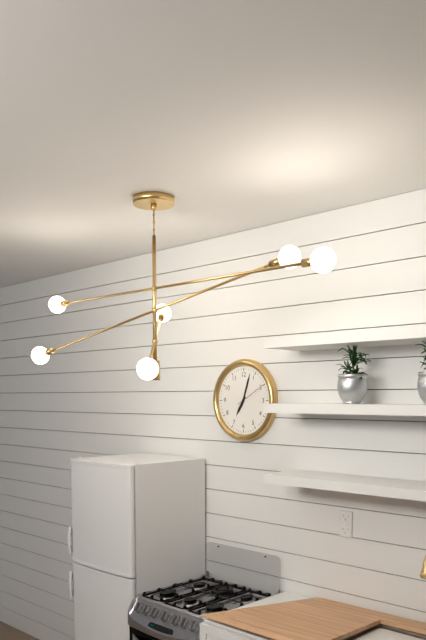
7:03
